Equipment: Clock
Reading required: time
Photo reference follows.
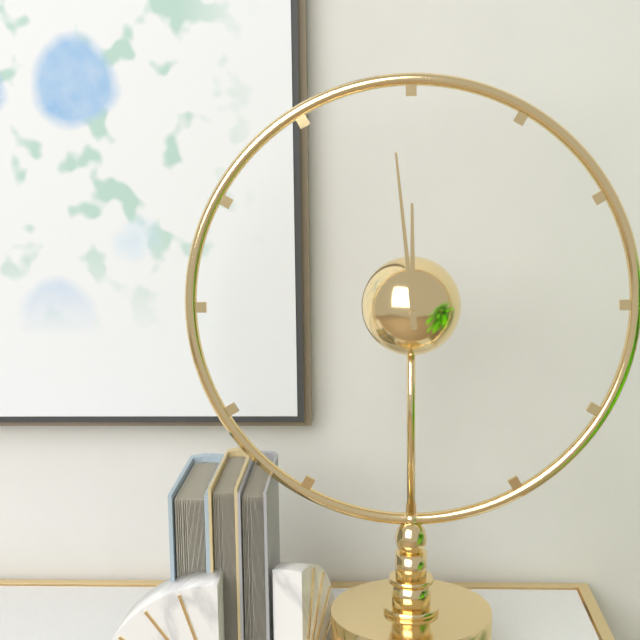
11:59
